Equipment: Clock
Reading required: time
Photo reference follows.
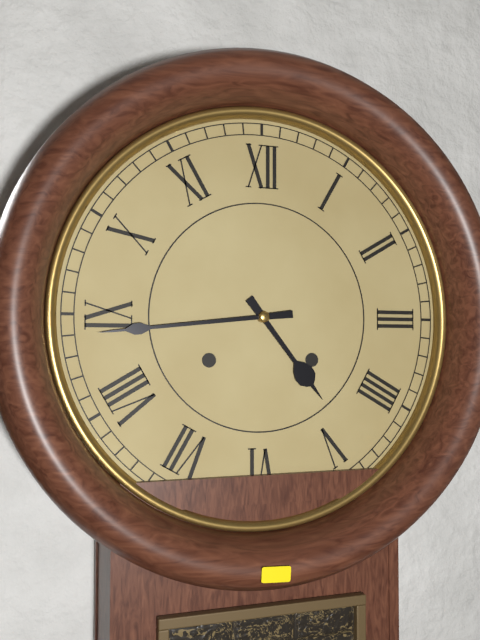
4:44
